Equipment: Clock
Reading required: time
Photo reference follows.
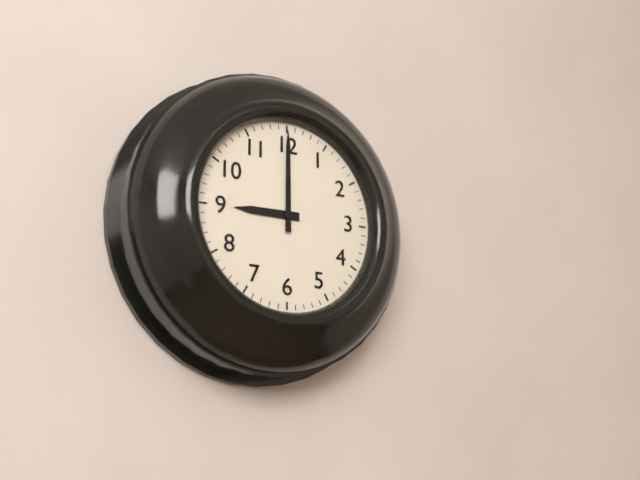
9:00
